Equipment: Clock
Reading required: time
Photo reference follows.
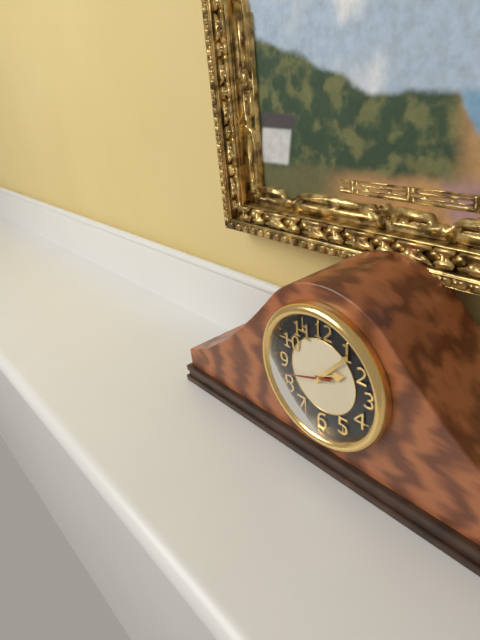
2:07:42
